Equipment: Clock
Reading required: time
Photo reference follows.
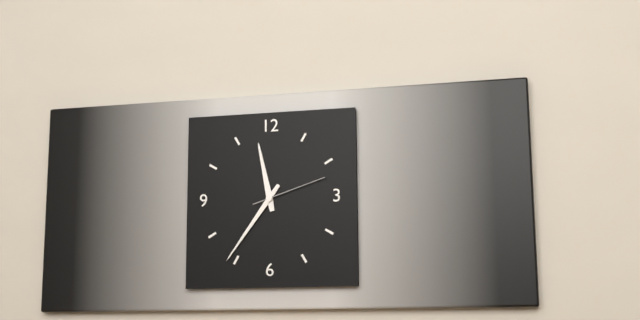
11:36:12
